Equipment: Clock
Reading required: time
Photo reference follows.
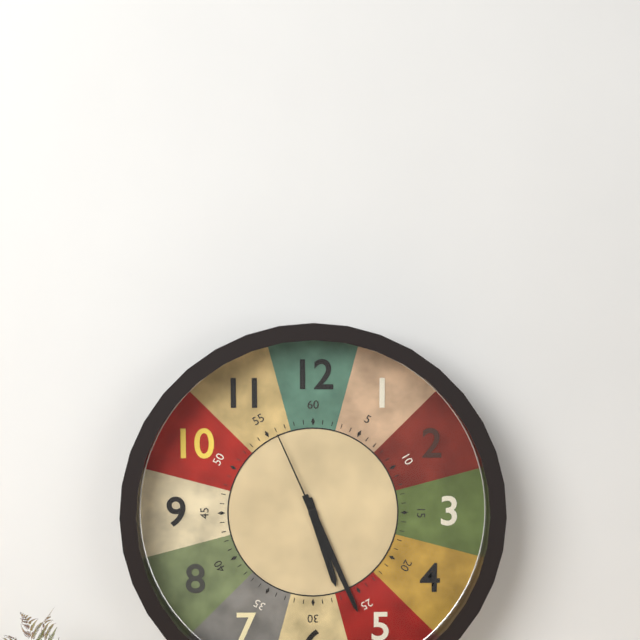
5:26:56
